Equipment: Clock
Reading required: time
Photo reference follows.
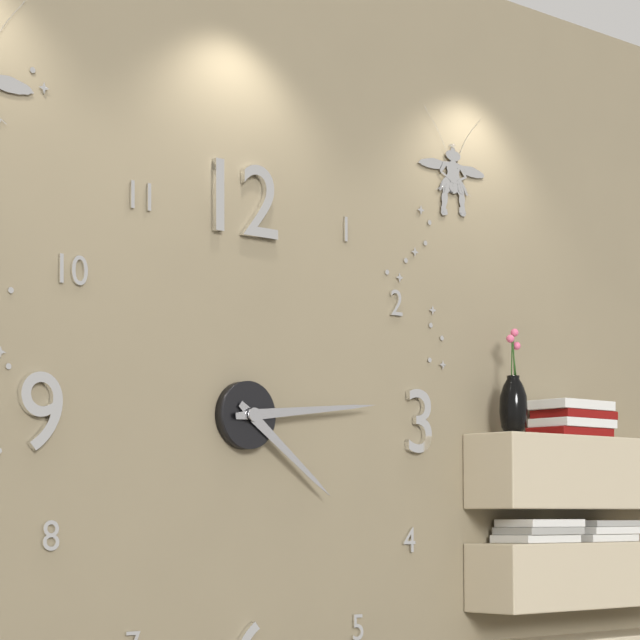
4:14
